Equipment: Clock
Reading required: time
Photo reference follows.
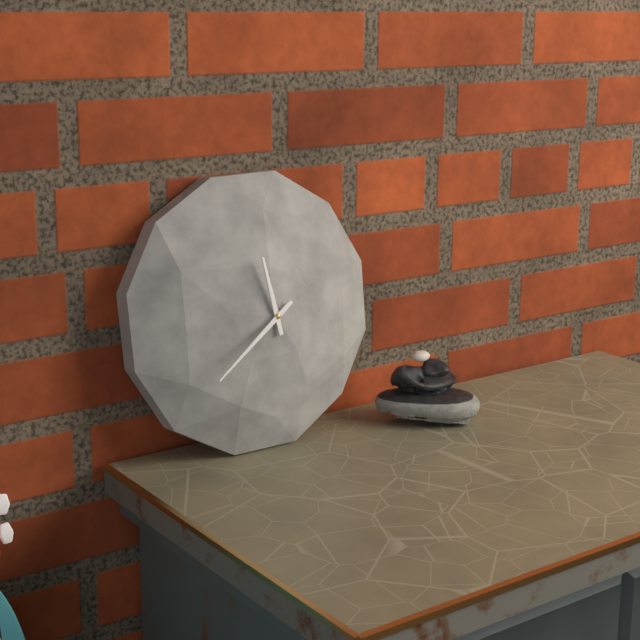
11:39
